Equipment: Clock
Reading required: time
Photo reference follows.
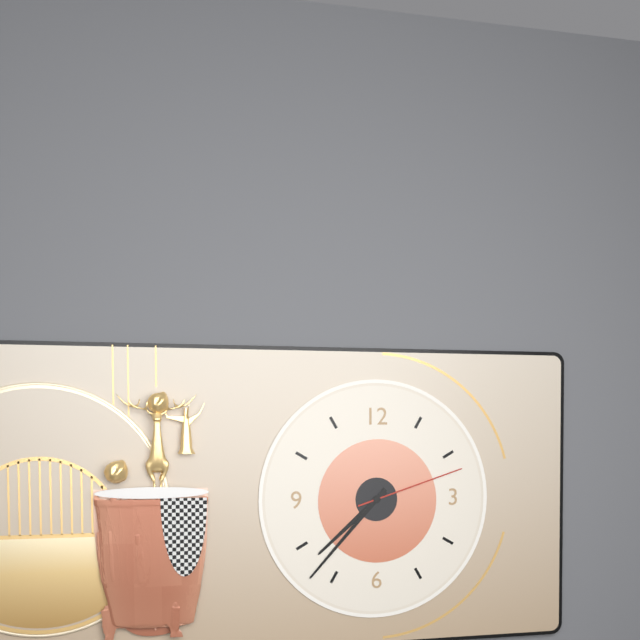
7:37:12
